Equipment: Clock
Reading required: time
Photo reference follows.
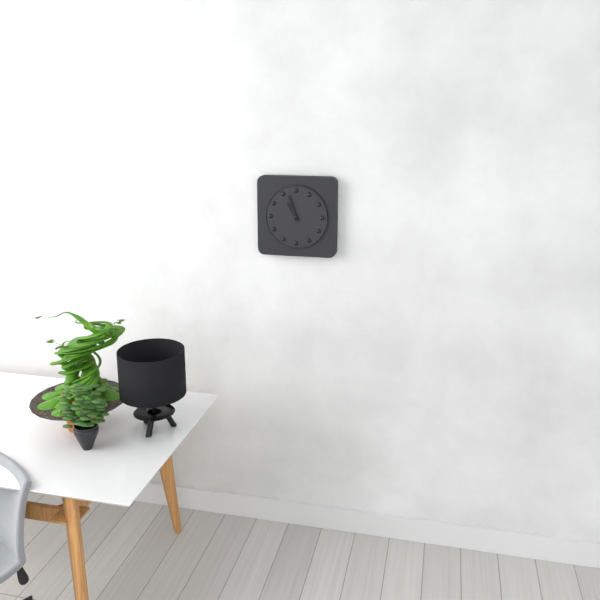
10:57
